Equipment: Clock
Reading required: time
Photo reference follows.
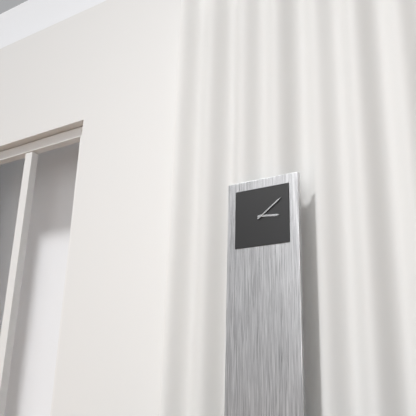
3:09
